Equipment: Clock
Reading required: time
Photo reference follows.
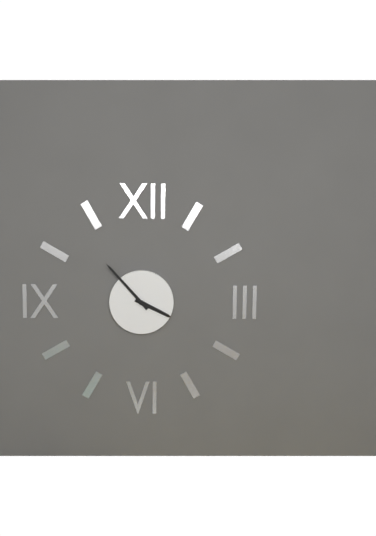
3:53
